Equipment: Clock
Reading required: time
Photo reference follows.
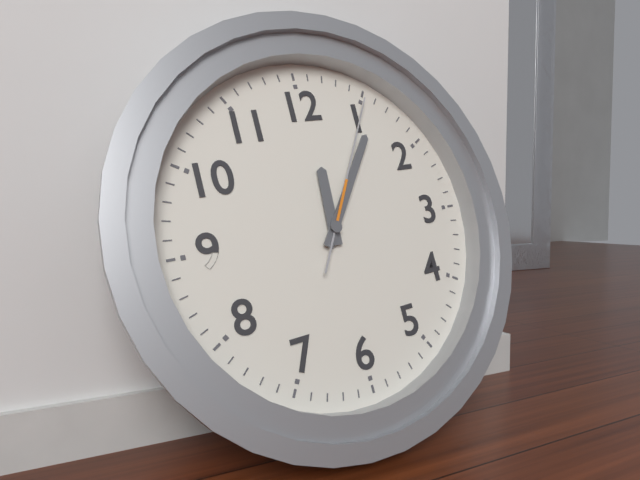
12:06:05
